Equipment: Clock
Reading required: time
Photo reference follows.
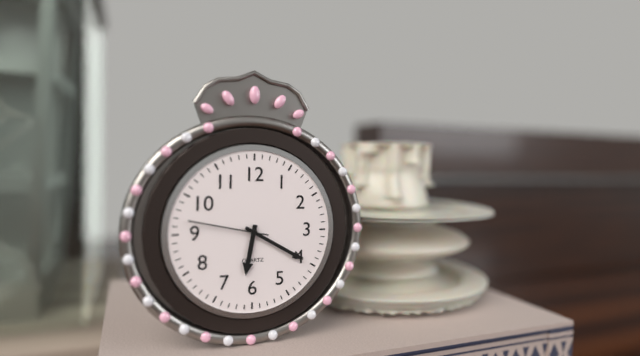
6:20:47
